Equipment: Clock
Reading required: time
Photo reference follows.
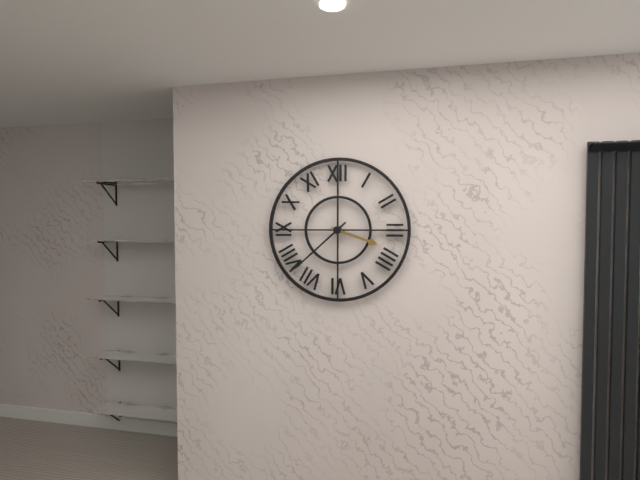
3:38
